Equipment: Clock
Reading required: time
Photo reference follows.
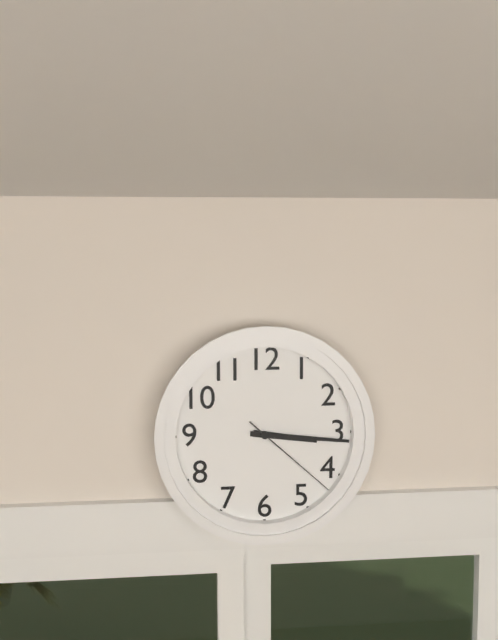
3:16:22
